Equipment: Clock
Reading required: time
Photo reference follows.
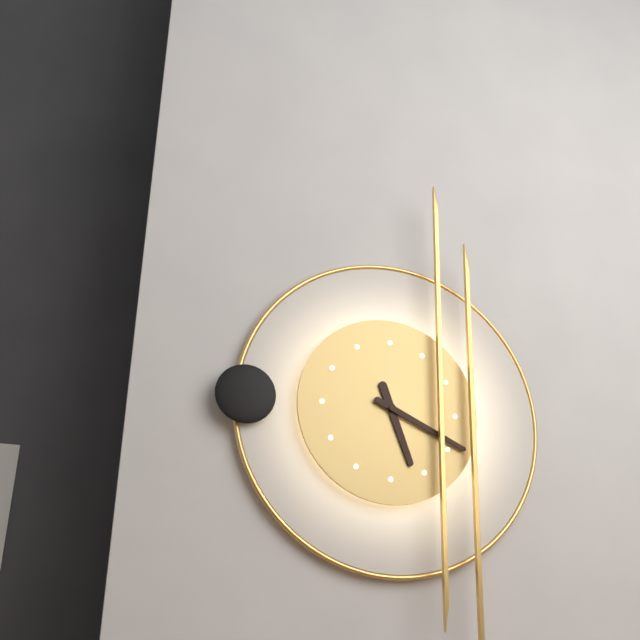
5:19
